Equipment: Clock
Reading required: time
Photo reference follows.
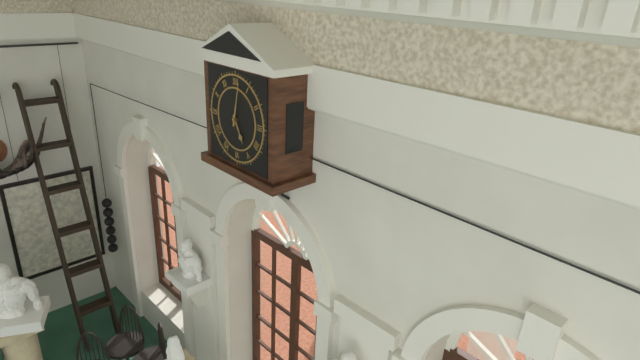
5:02
